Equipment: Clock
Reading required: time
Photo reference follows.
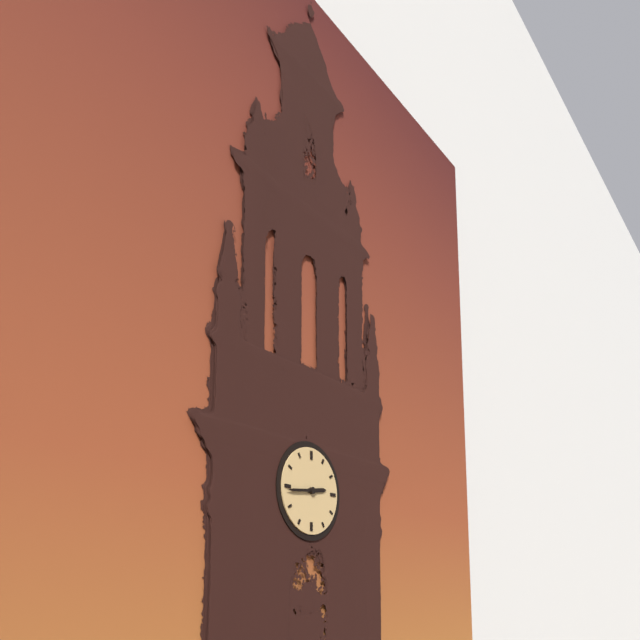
2:44
